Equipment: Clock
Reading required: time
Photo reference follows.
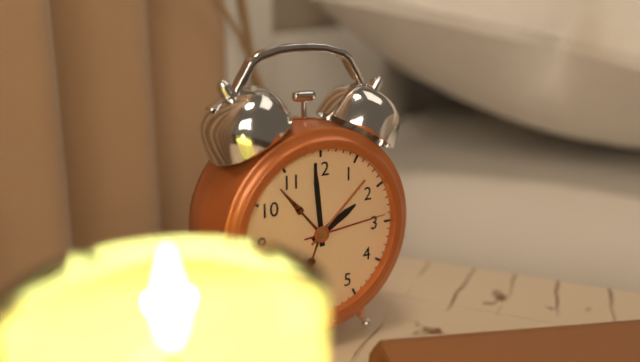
1:59:14
